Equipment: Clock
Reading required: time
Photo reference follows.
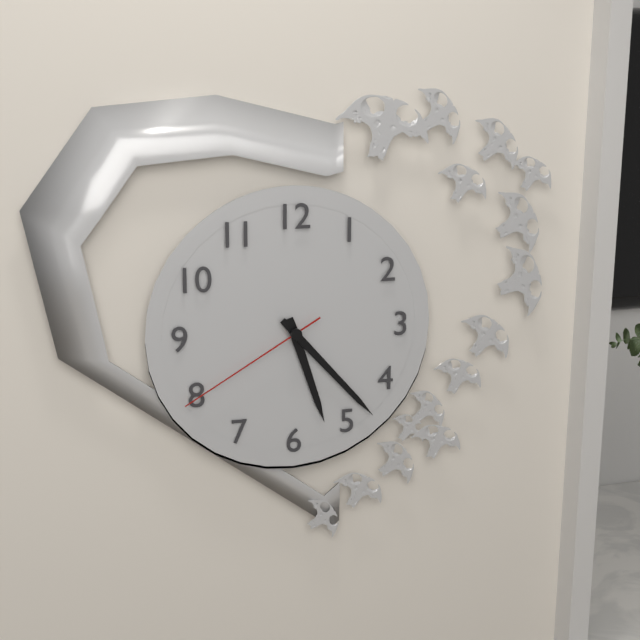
5:23:40
